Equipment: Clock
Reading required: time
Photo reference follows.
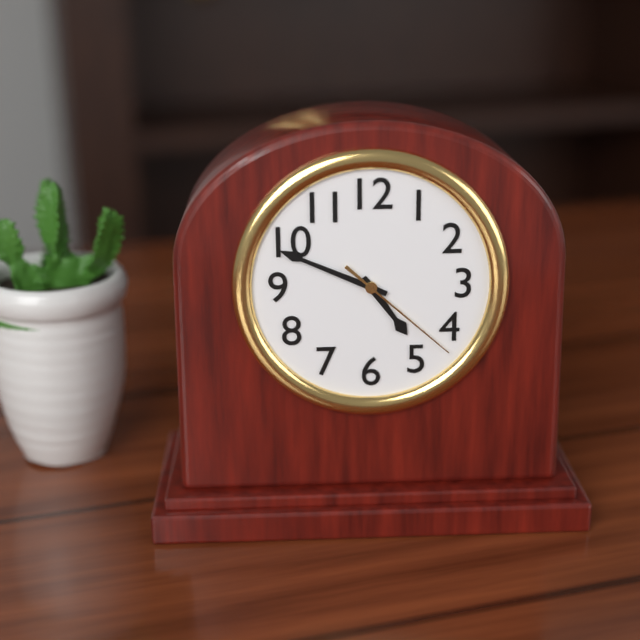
4:49:22
